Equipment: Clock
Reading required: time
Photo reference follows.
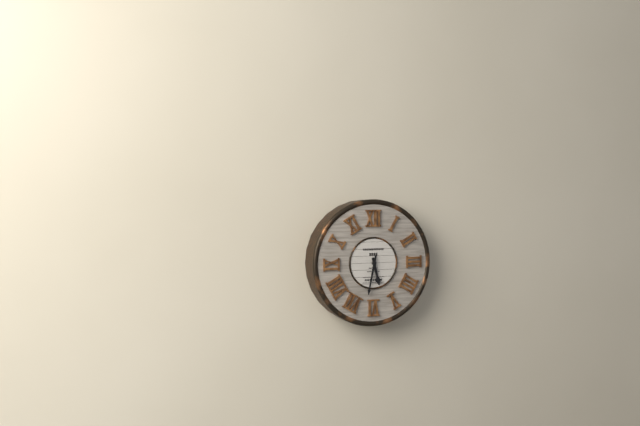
5:32
